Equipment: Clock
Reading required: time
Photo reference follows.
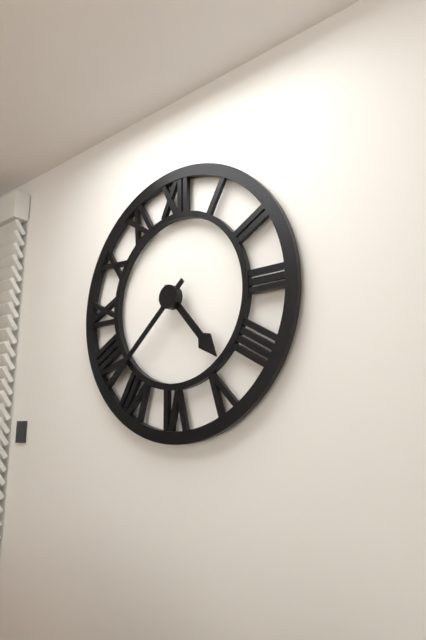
4:38
